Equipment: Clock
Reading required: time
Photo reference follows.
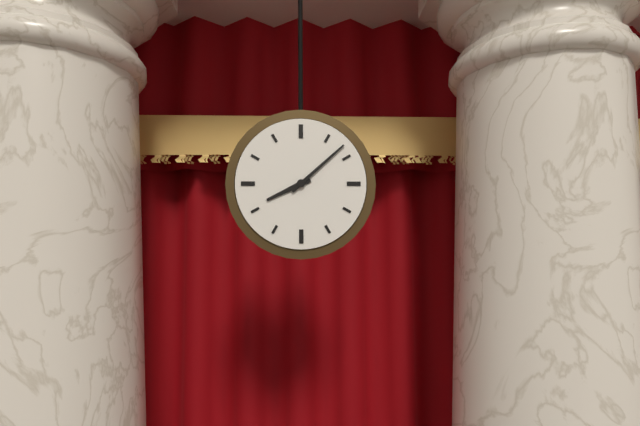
8:08
